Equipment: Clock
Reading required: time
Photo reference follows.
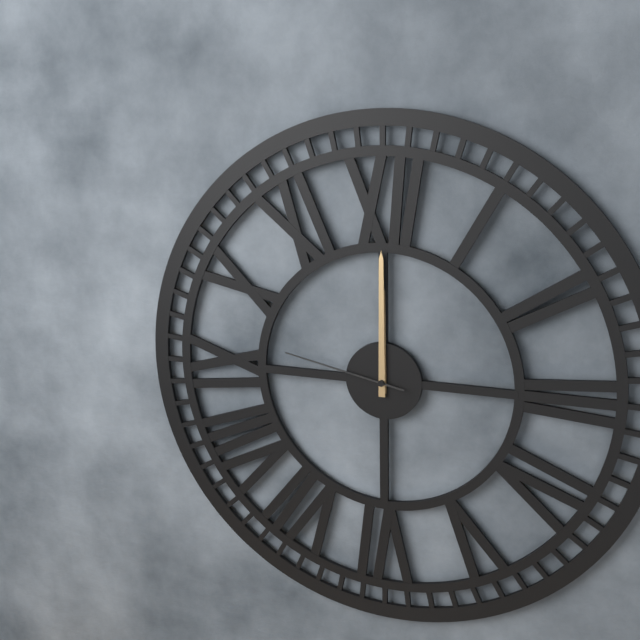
12:00:47
